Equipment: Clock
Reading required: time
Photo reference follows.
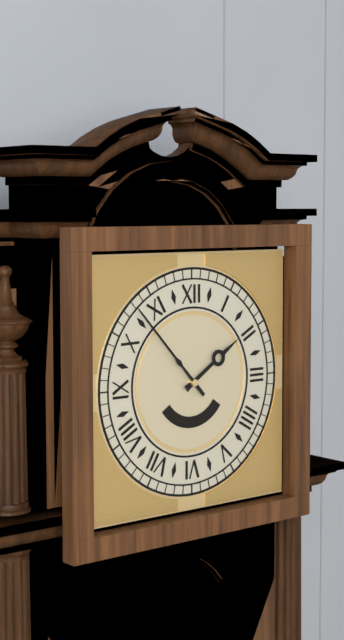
1:53
